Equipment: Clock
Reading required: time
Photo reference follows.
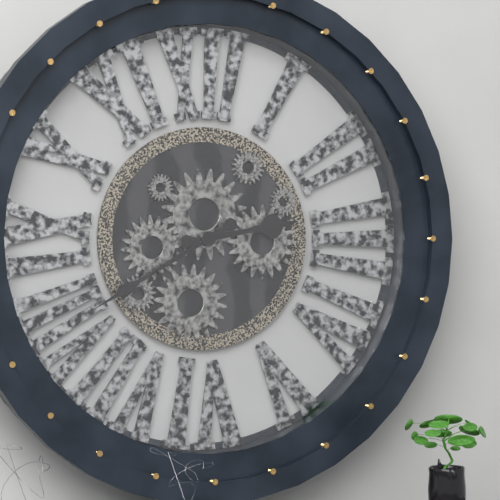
2:40
